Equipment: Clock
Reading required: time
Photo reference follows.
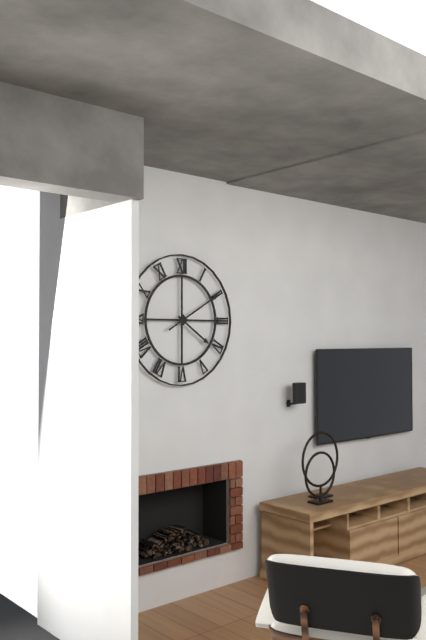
4:10
